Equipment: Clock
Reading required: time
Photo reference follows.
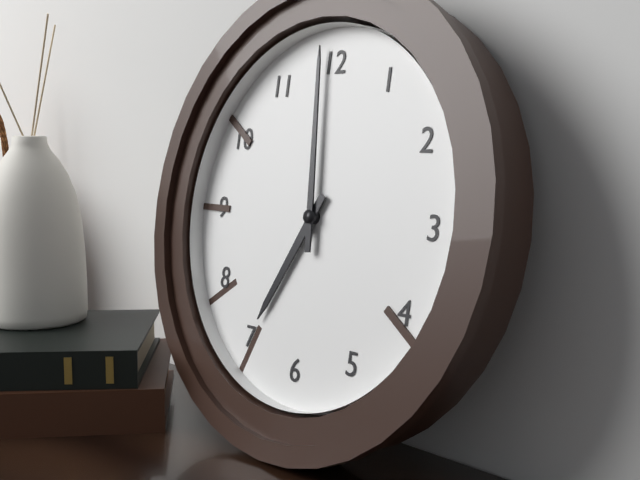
6:59
